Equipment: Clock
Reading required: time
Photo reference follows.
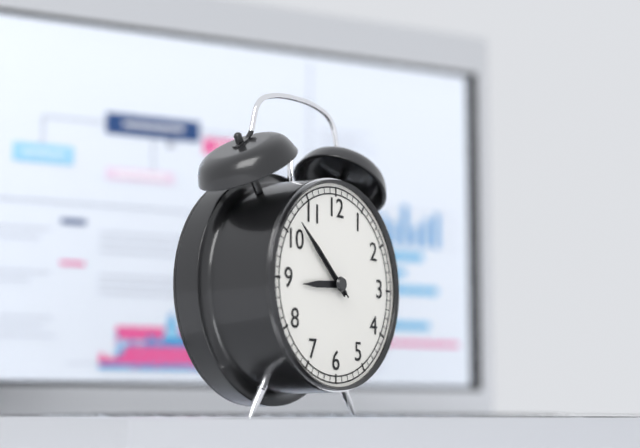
8:52:52
